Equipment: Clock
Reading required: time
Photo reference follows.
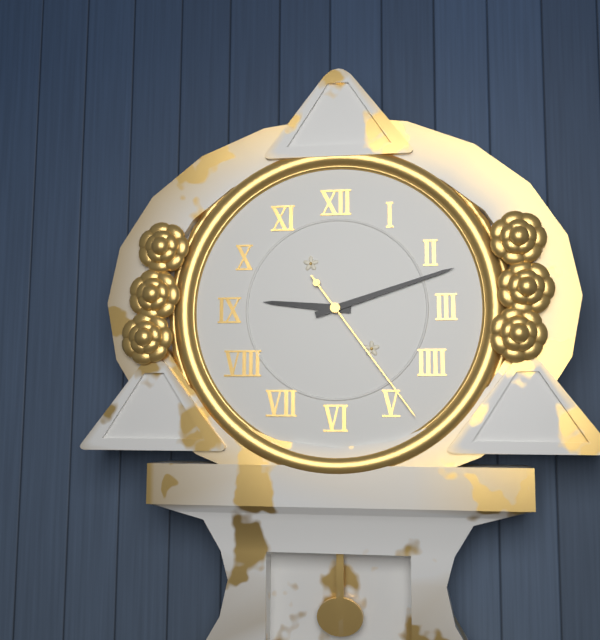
9:12:24
